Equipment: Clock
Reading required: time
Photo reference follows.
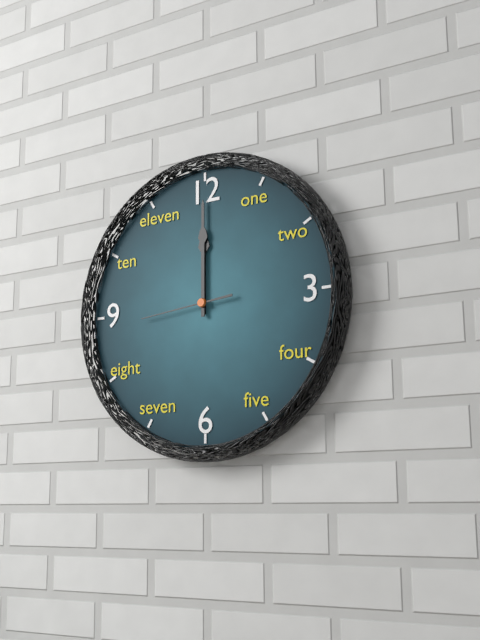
12:00:44
